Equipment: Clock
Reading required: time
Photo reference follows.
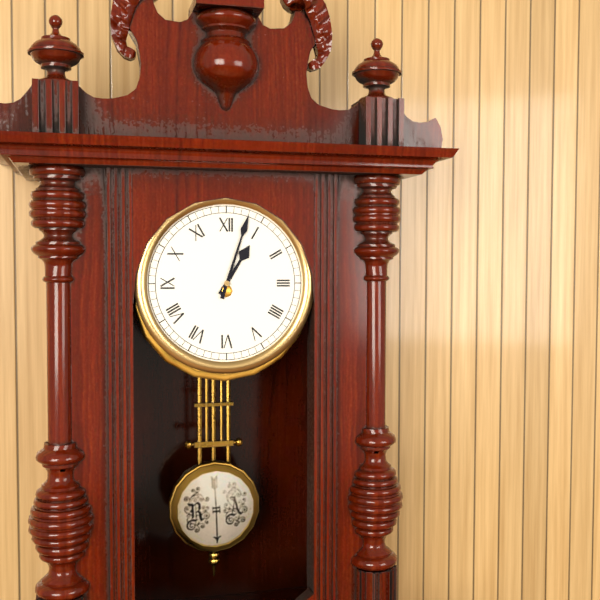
1:03
